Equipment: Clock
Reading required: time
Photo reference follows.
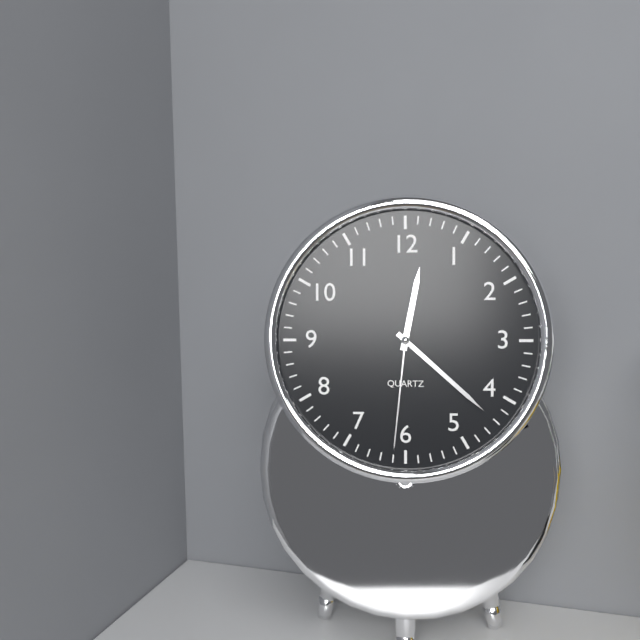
12:22:31
